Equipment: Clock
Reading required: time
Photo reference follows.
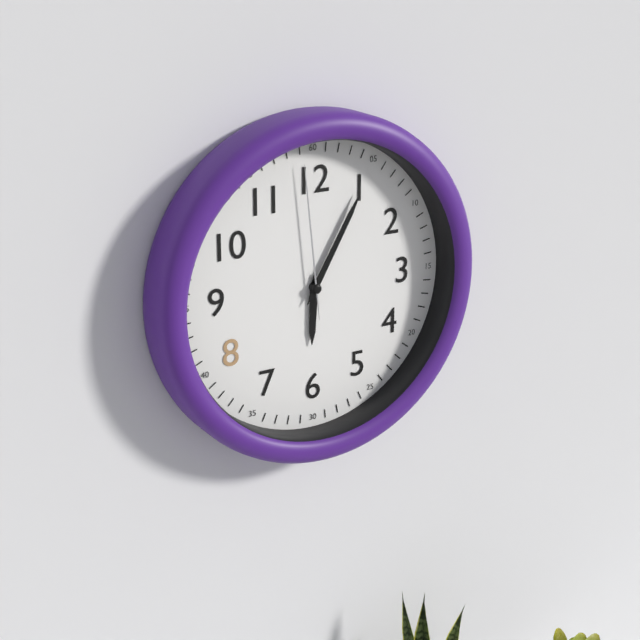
6:05:59
